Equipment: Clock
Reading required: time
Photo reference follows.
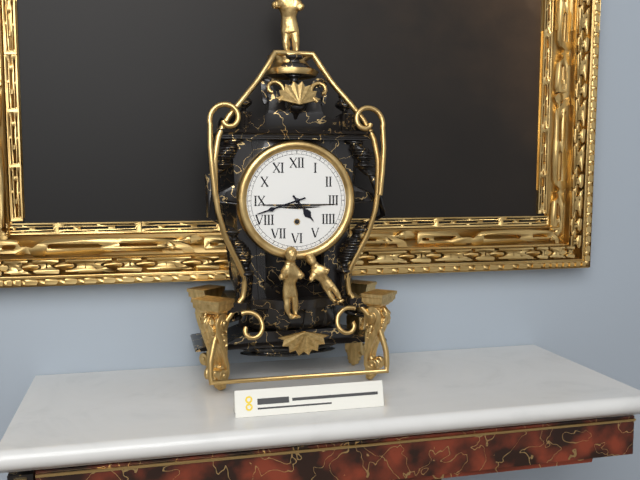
4:42
